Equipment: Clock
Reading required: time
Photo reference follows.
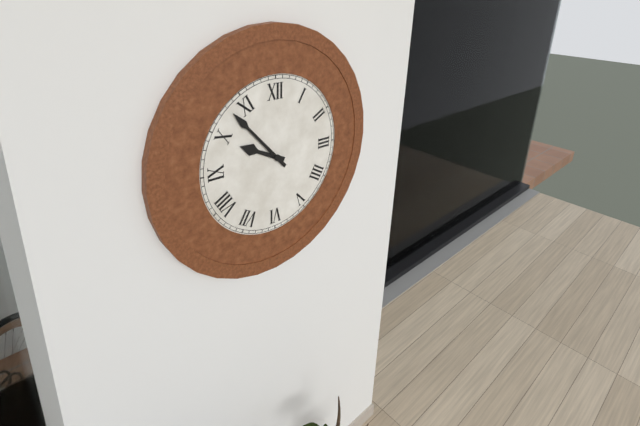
9:53
